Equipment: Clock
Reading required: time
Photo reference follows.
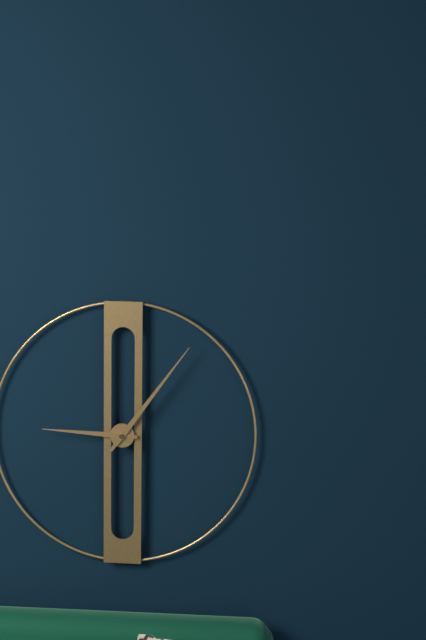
9:06
